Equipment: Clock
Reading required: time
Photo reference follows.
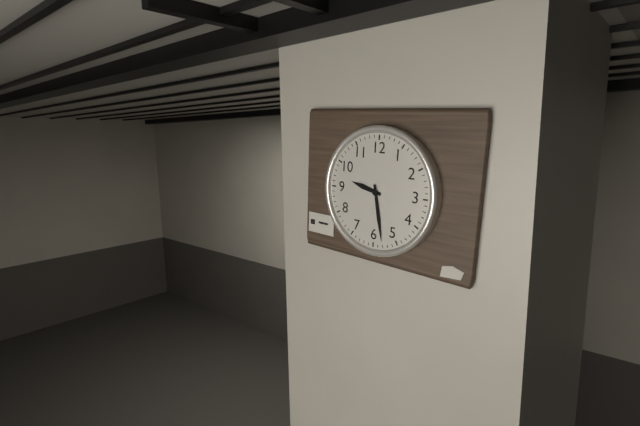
9:28
